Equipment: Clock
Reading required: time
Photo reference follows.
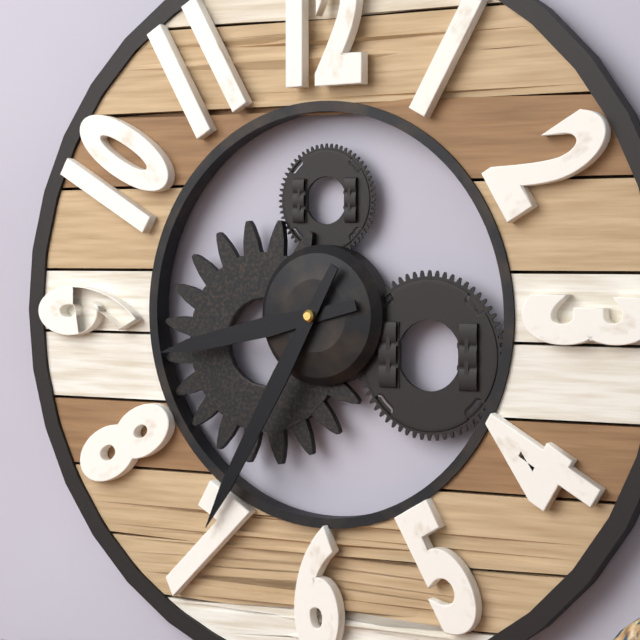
8:35
